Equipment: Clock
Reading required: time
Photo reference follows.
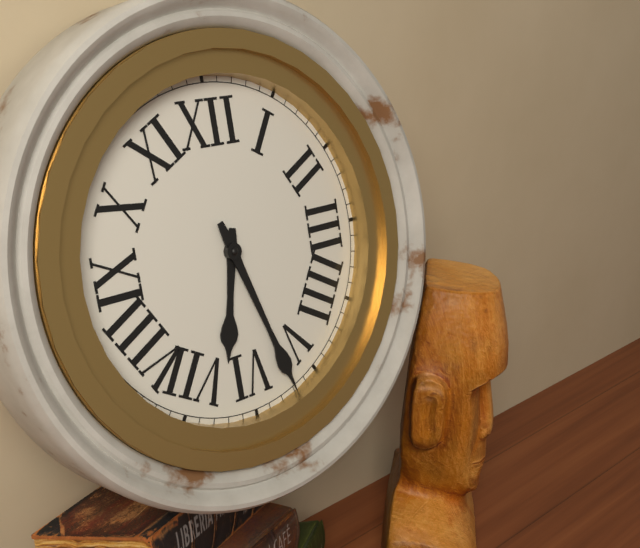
6:27
